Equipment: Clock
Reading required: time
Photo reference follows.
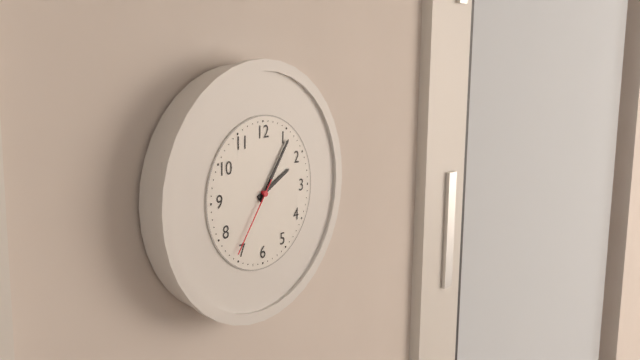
2:06:36
